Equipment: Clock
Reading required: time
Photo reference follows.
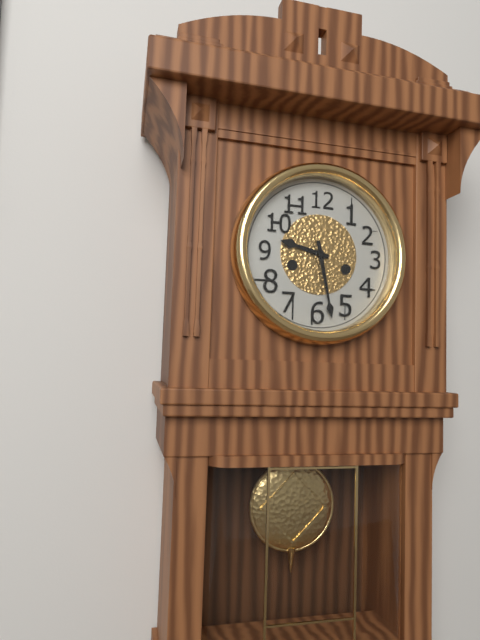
9:28
